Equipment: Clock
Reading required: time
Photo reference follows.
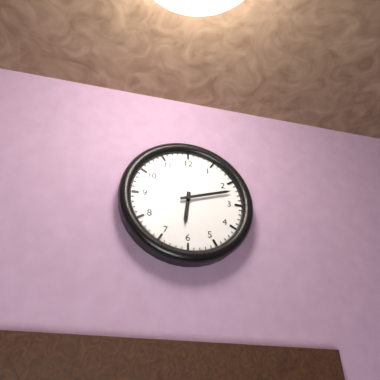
6:12
